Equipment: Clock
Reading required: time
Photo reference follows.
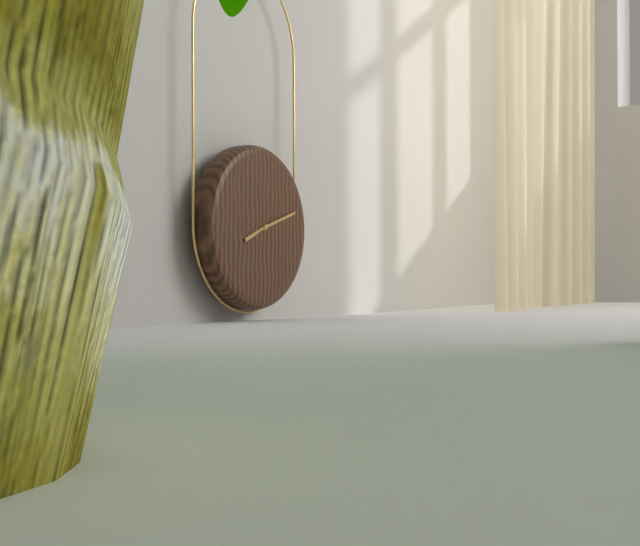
8:12
